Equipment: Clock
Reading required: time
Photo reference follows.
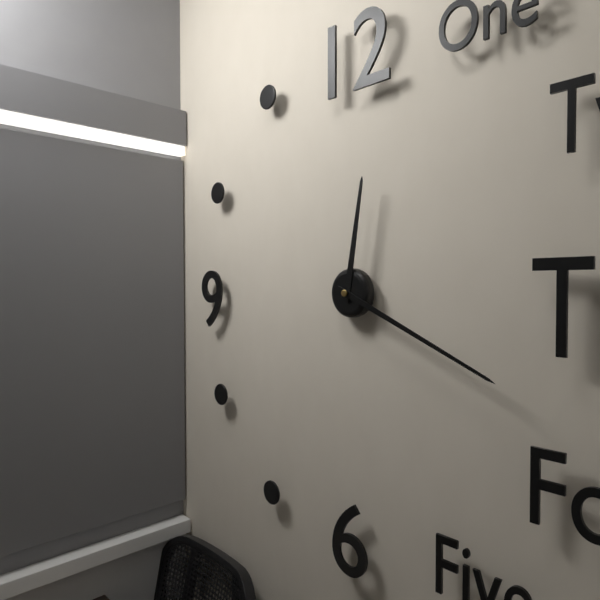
12:19
